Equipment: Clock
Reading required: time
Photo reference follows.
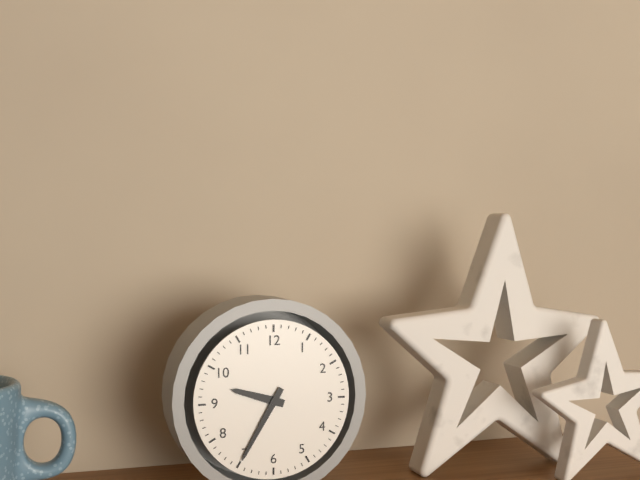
9:35
